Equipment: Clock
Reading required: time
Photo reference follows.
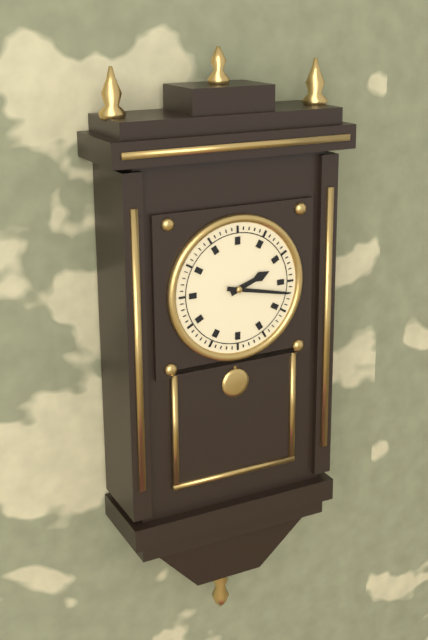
2:17
